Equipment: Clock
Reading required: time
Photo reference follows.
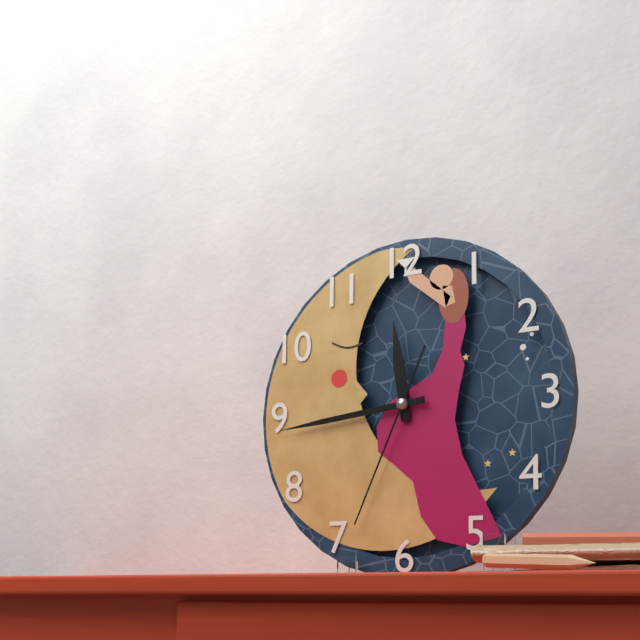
11:44:34
